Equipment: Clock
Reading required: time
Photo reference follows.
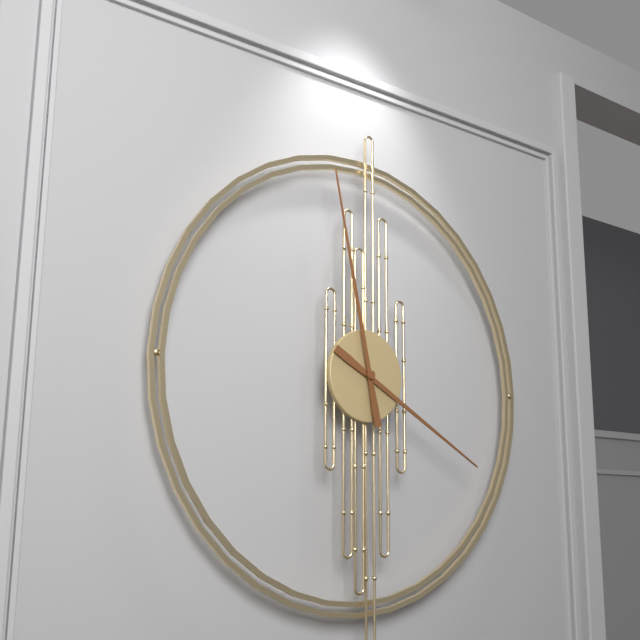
3:58
